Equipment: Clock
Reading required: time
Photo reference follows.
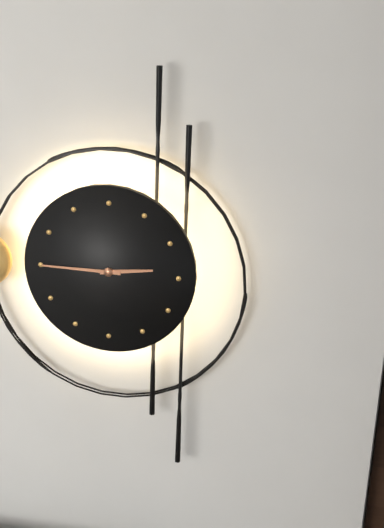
2:45
